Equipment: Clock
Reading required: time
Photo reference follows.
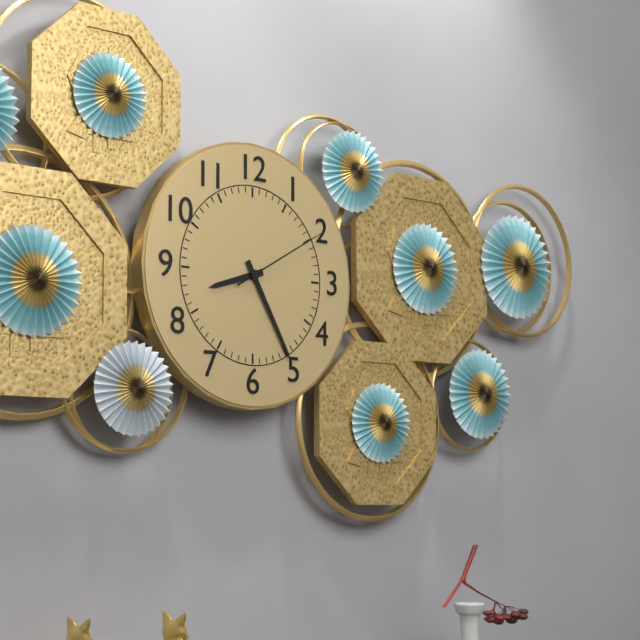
8:25:10
